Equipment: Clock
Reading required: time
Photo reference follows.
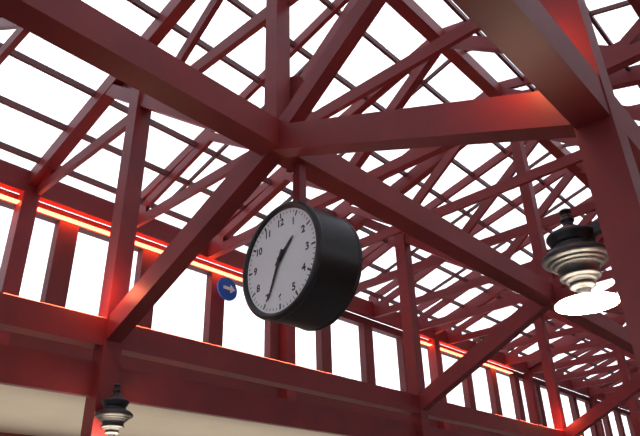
1:34
